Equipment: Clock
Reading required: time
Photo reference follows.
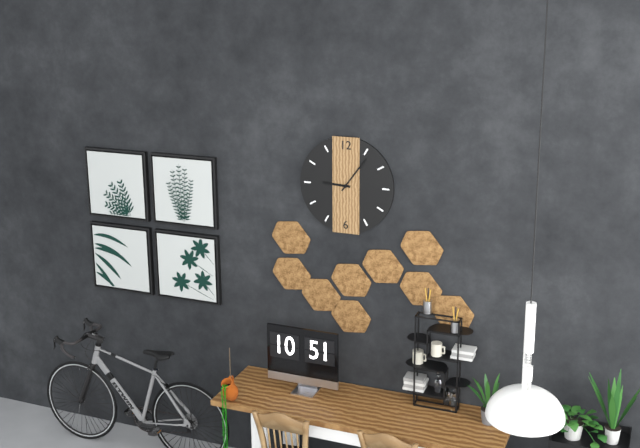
9:06
